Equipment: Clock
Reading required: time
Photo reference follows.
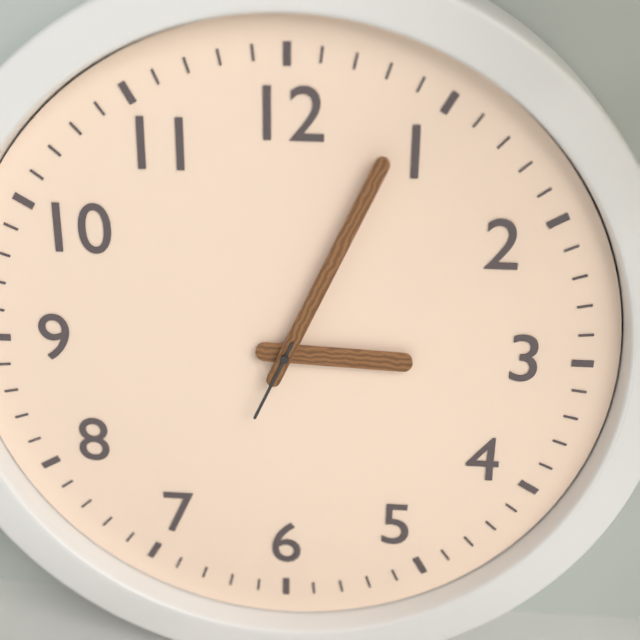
3:04:34
